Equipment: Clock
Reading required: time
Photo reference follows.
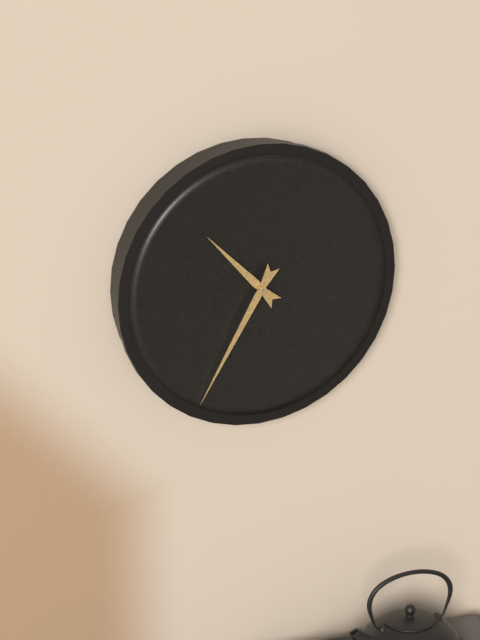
10:35
